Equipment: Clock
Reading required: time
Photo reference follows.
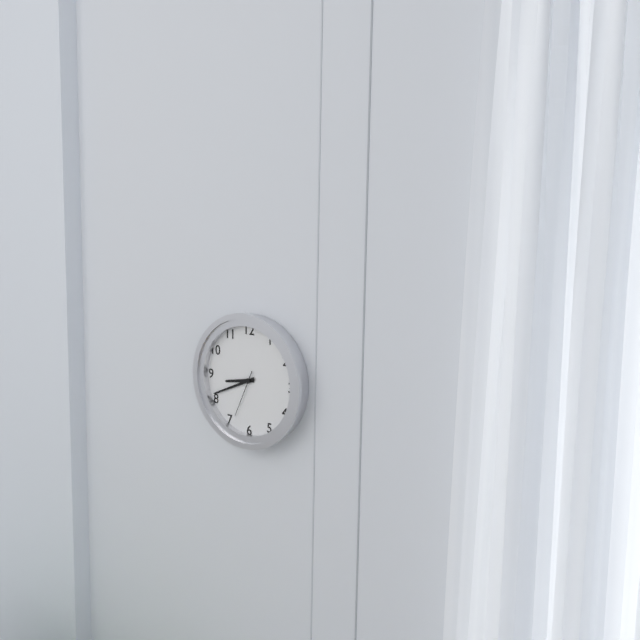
8:41
